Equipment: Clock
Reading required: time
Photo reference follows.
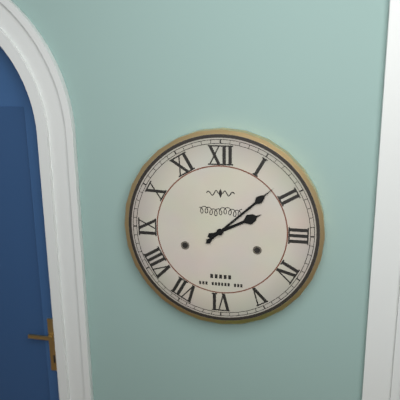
2:08
